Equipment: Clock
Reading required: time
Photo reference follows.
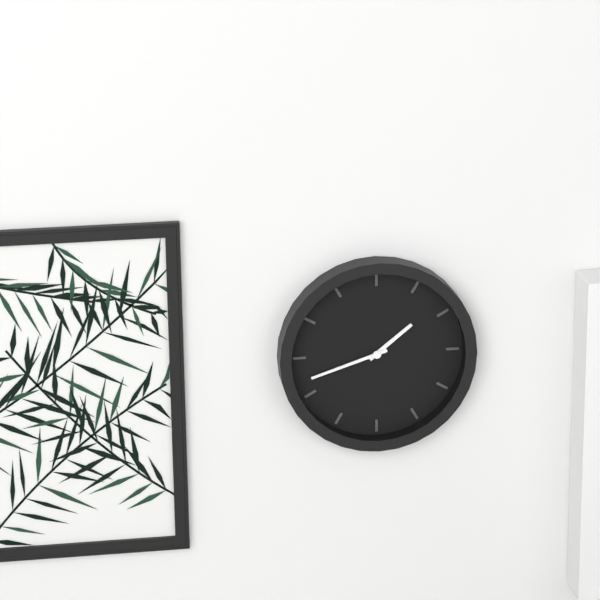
1:42
